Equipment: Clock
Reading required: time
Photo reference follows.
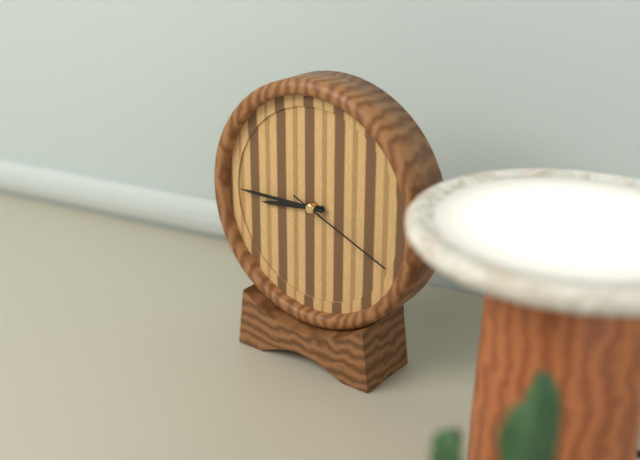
8:45:19
